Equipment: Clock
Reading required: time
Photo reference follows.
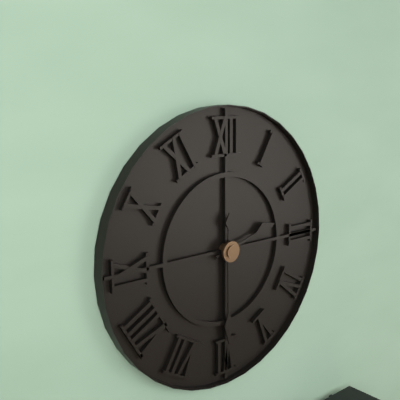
2:30
